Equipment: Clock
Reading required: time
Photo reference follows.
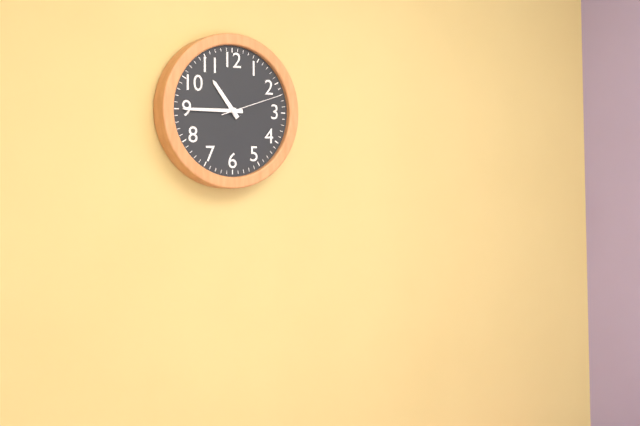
10:45:12
